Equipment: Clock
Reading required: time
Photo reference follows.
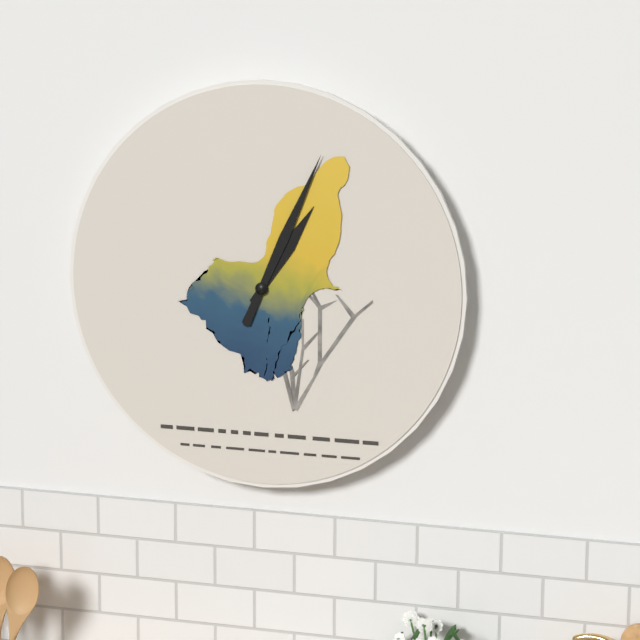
1:04
